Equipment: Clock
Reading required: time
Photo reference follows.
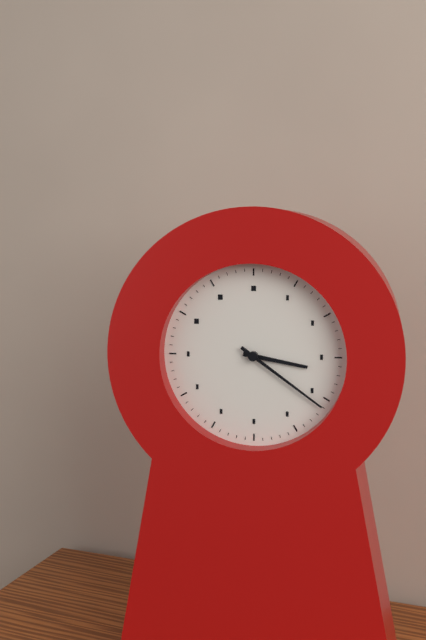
3:21
